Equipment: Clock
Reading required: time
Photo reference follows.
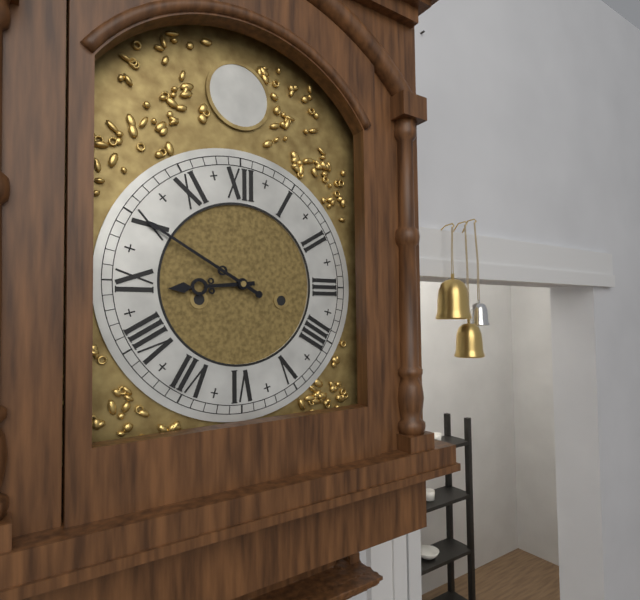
8:50
